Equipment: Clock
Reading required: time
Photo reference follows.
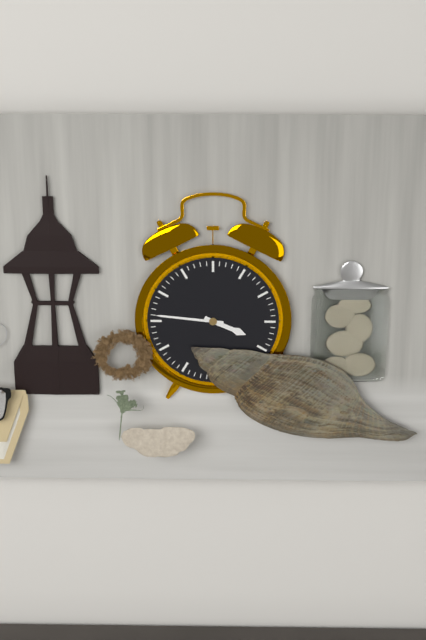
3:46
